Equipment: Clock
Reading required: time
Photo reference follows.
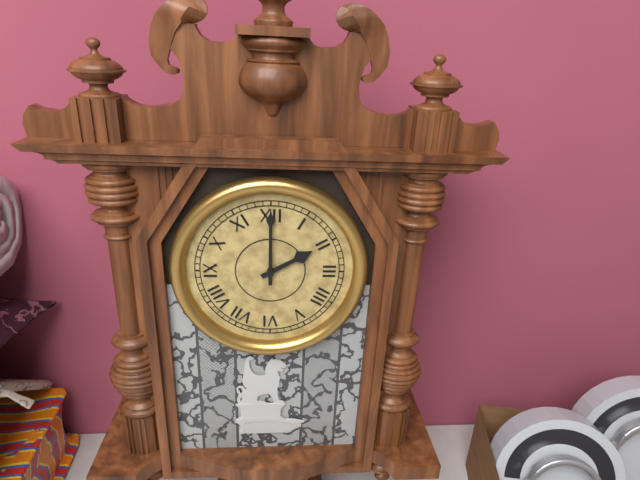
2:00
